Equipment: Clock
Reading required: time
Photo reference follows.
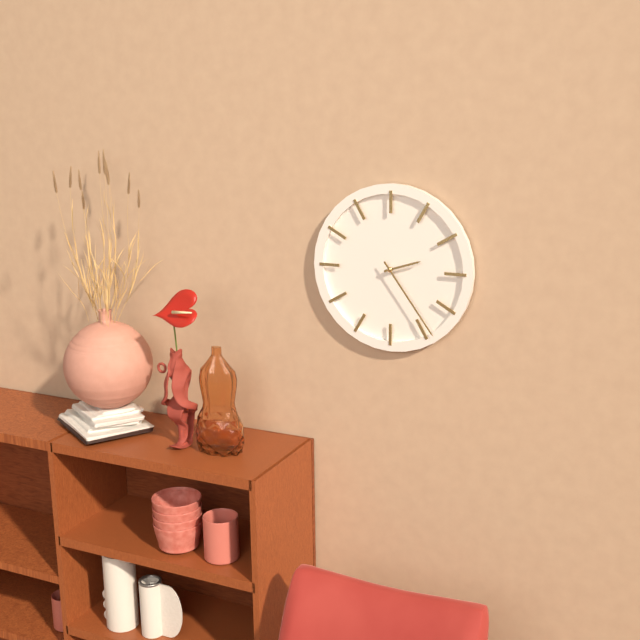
2:24
